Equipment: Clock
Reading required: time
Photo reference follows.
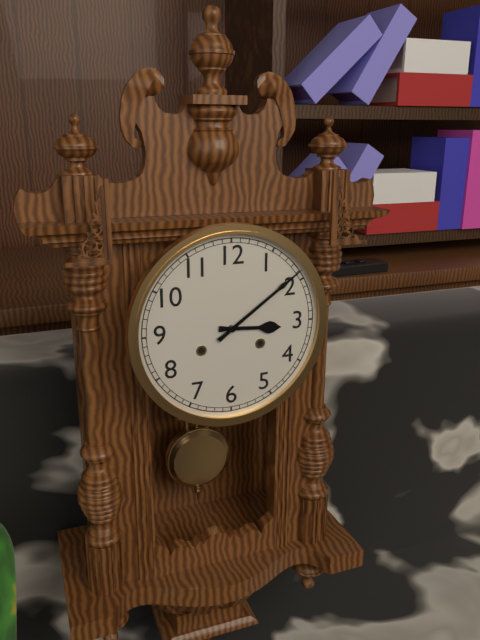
3:09
